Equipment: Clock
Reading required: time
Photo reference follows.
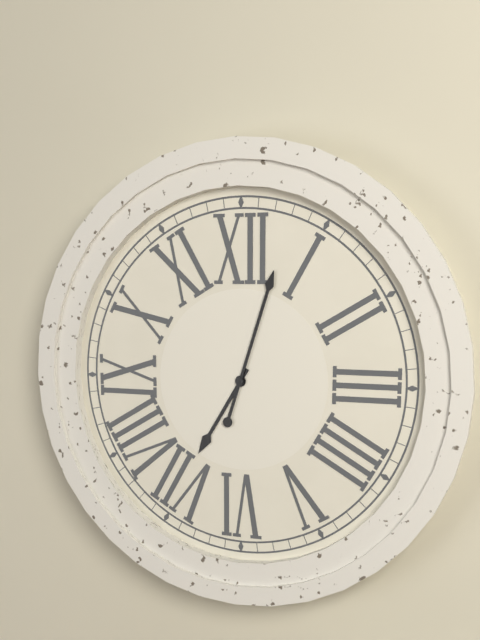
7:03
